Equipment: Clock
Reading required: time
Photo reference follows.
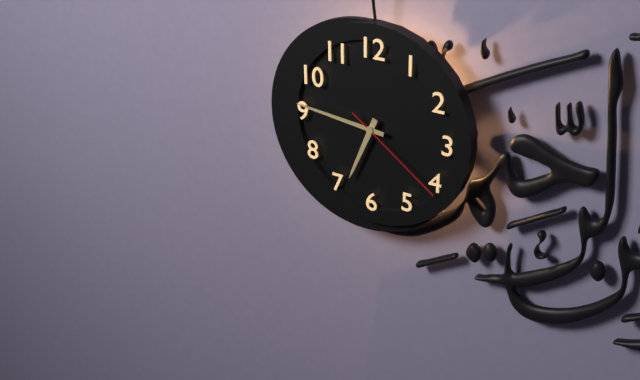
6:46:21
